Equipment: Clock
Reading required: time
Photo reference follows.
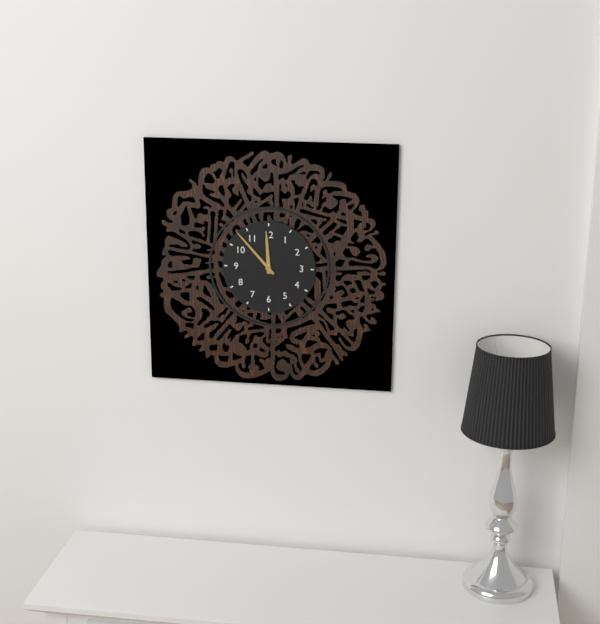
11:53
